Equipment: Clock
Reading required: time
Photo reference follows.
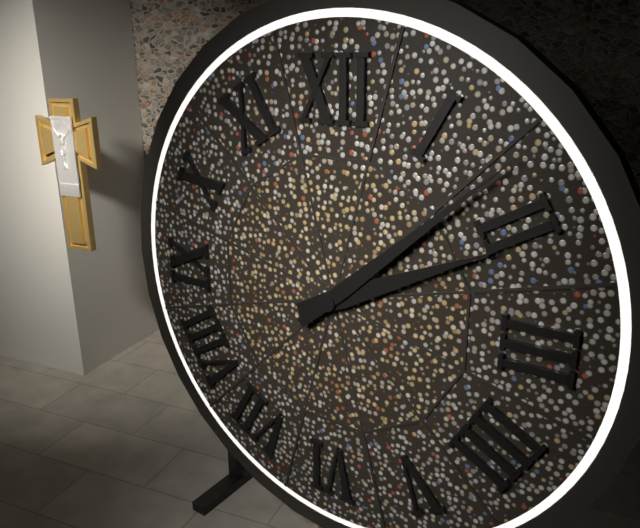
2:08
